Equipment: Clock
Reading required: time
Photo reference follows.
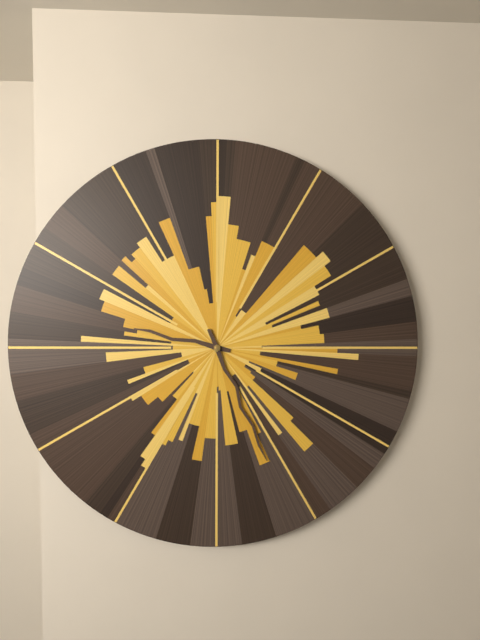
9:26
